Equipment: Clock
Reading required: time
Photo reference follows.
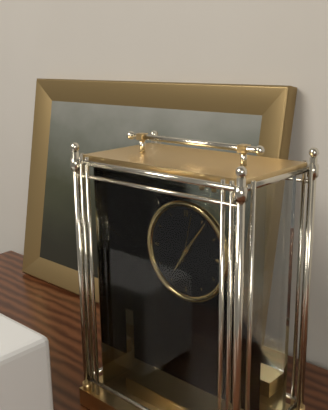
7:06:02
